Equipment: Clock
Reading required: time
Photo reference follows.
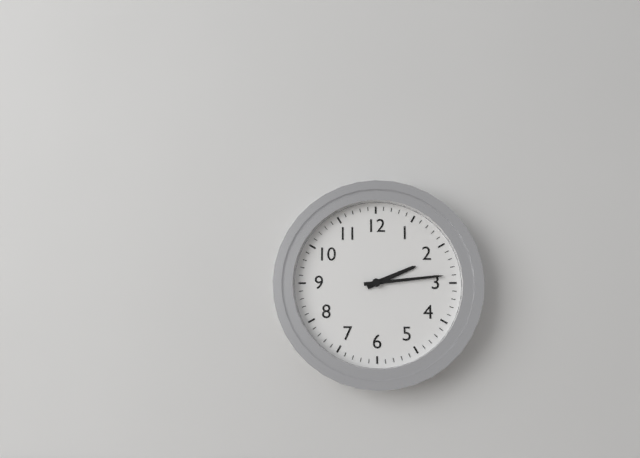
2:14
